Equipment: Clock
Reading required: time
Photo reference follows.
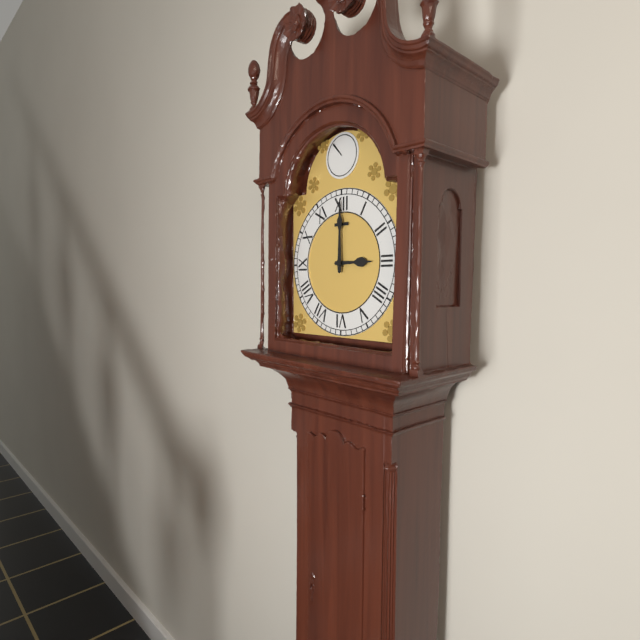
3:00
